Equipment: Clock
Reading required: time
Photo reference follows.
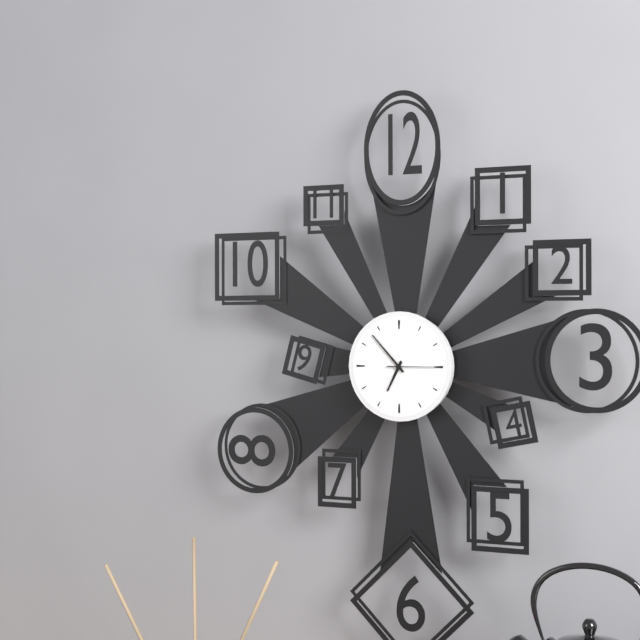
6:53:15
